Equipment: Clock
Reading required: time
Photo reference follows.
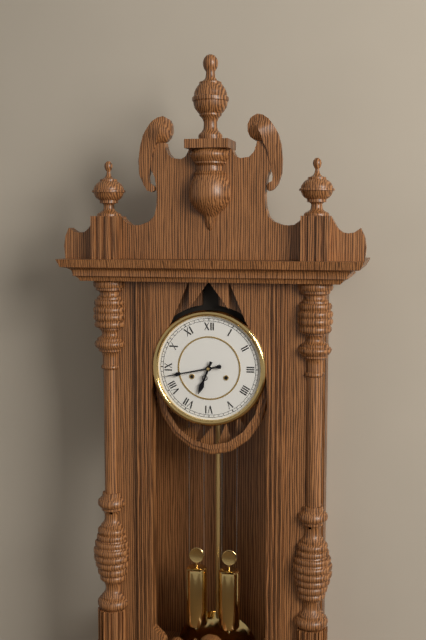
6:43
